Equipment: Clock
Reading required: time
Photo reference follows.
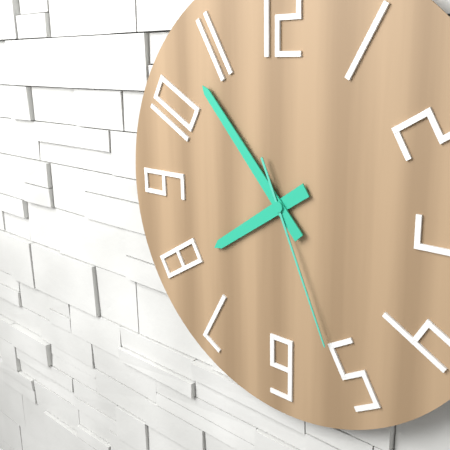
7:53:26
